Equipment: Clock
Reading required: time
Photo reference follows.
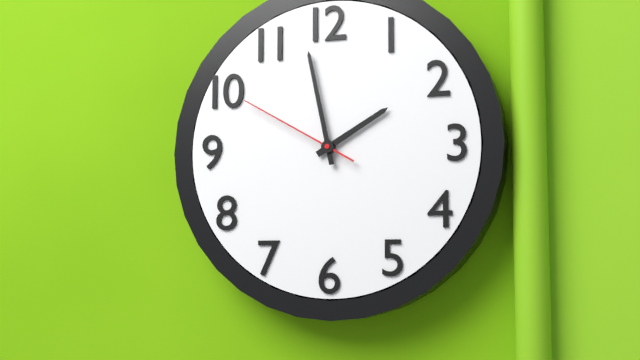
1:58:50
